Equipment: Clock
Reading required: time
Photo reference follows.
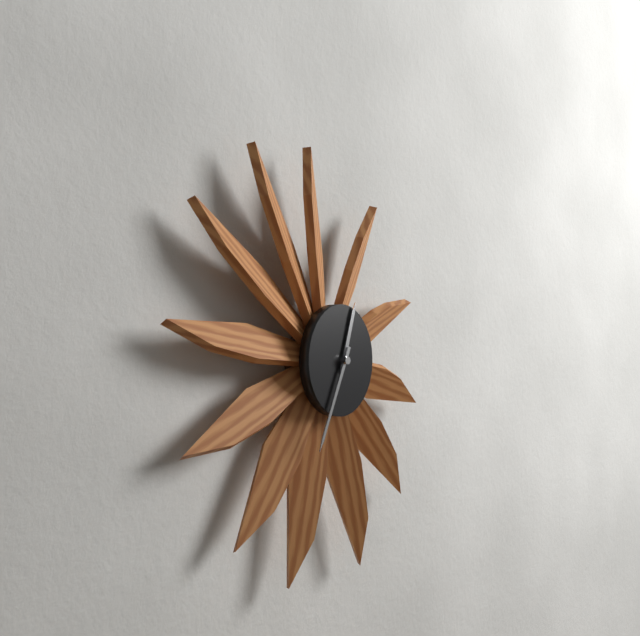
12:34
